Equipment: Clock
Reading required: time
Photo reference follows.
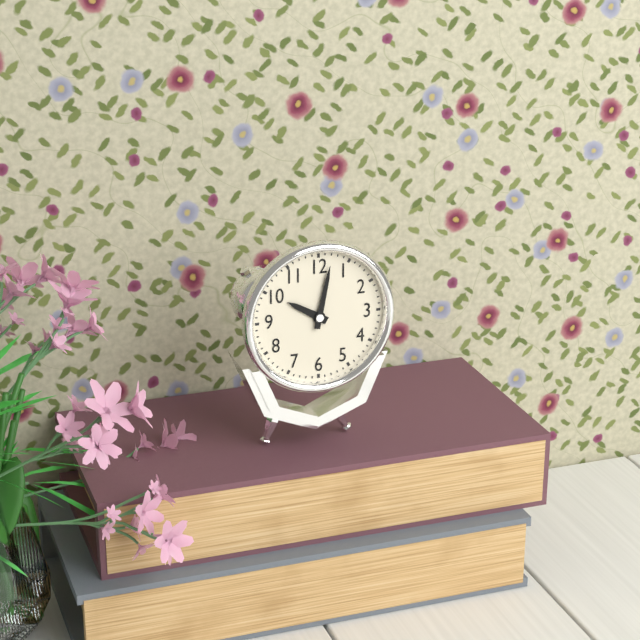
10:02
